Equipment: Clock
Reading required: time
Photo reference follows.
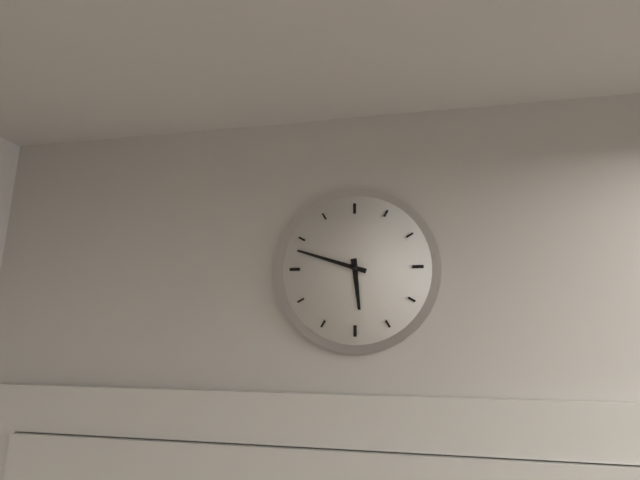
5:48
